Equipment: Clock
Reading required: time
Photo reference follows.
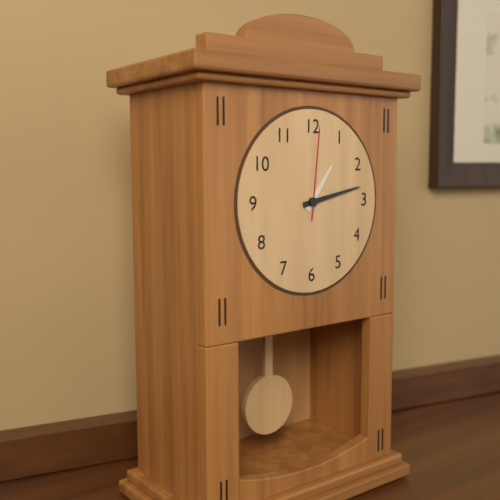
1:13:01
